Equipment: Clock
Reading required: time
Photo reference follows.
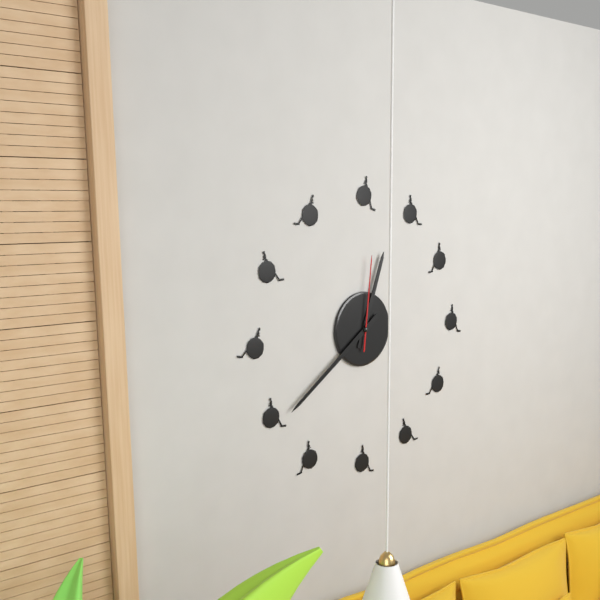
12:39:01
